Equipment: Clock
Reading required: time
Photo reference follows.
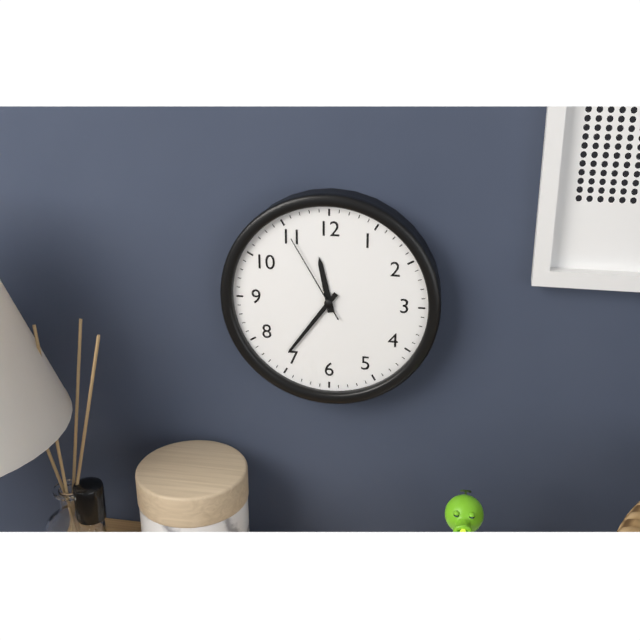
11:36:55
